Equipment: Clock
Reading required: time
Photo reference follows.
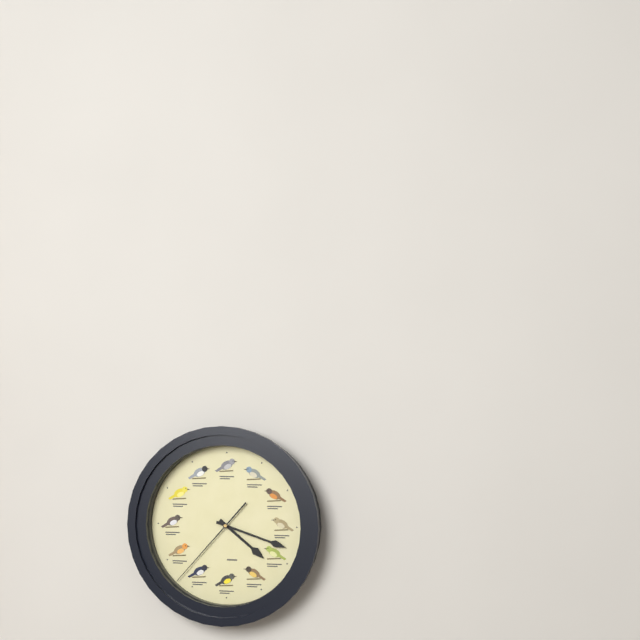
4:18:37
